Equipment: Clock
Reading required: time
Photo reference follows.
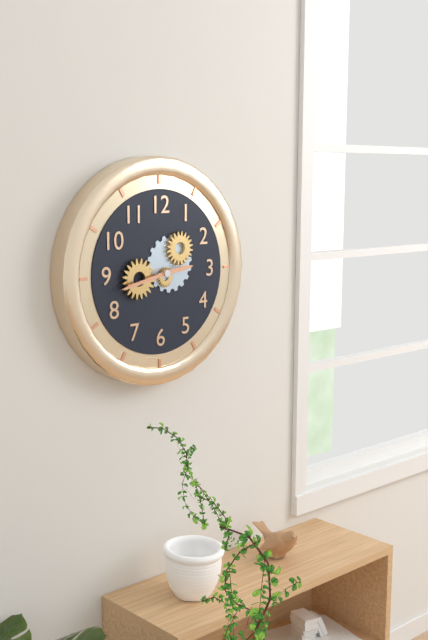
2:43
